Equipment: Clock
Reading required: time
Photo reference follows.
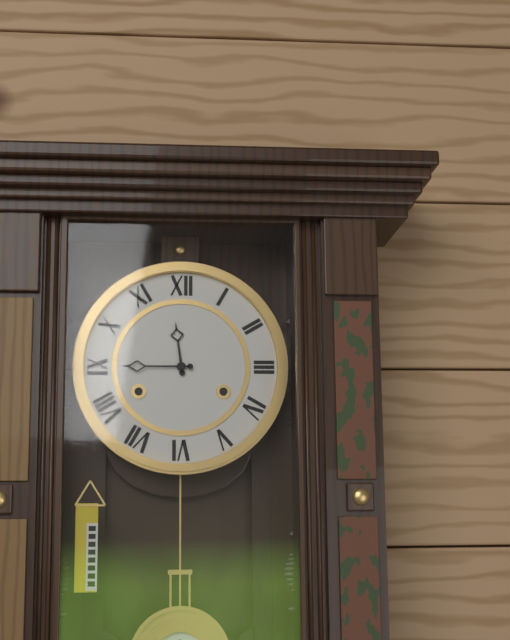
11:45
